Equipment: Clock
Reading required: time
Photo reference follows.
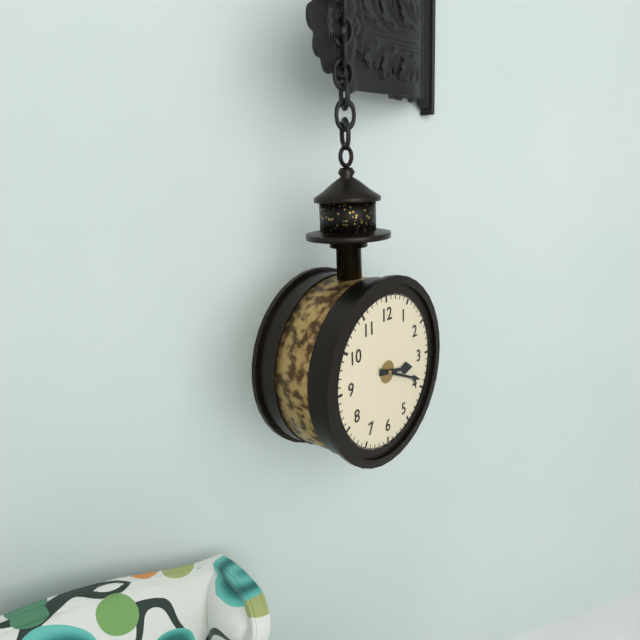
3:19
